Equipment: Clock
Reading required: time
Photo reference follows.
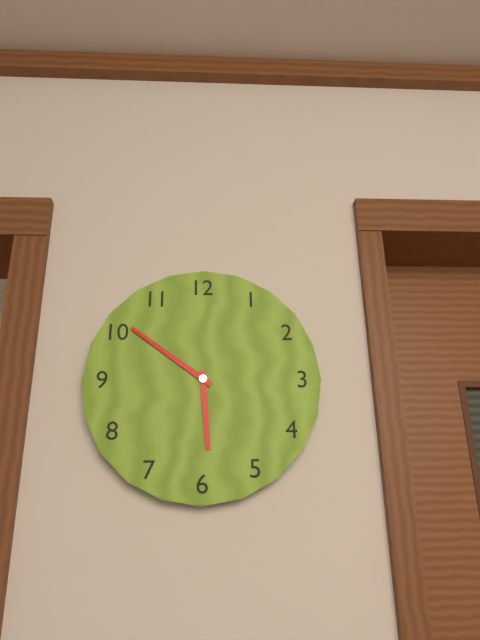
5:51
